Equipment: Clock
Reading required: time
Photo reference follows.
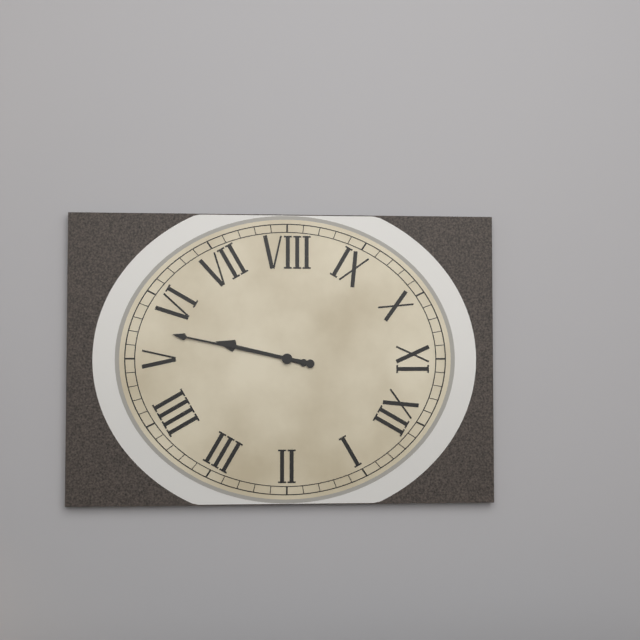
5:27
